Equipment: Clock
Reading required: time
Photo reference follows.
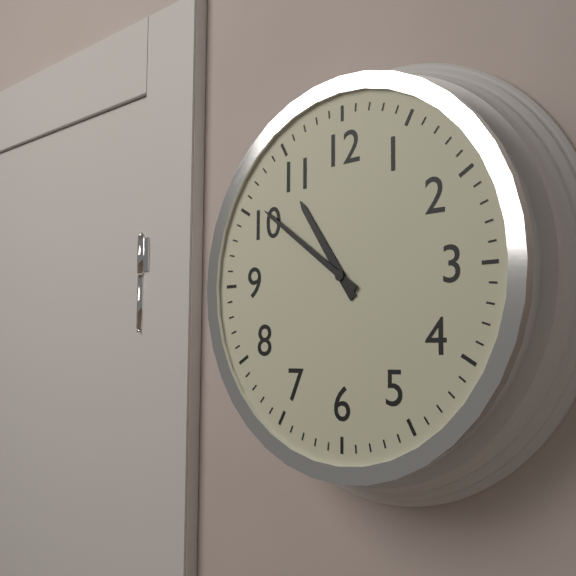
10:51
